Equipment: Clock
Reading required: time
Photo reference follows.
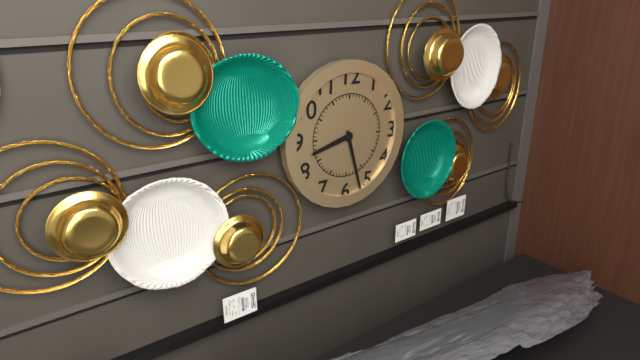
8:27
